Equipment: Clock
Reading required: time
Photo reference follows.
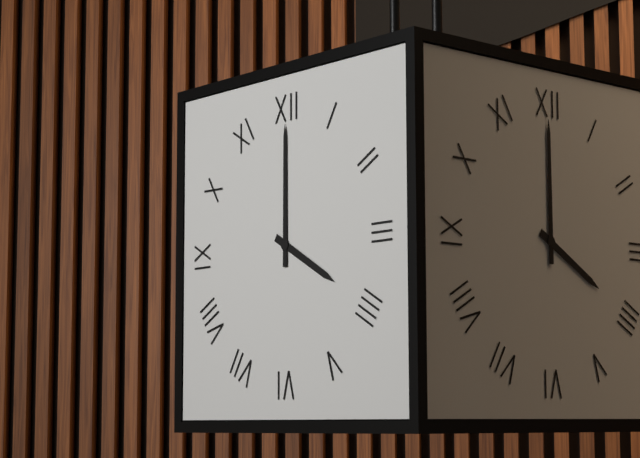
4:00
